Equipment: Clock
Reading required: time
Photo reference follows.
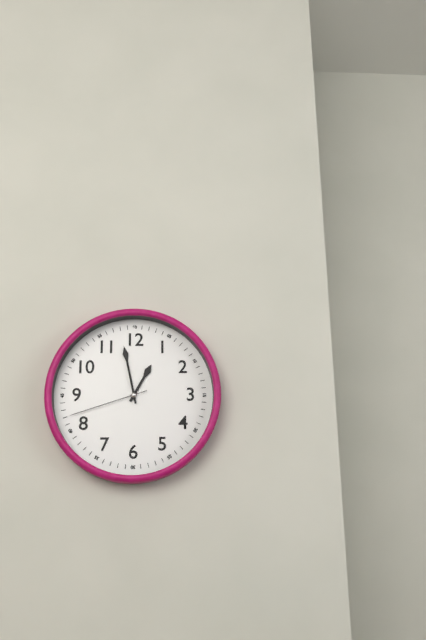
12:58:42
